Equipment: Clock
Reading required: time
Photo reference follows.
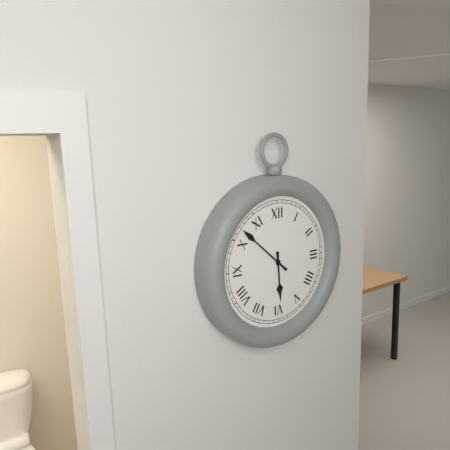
5:52
